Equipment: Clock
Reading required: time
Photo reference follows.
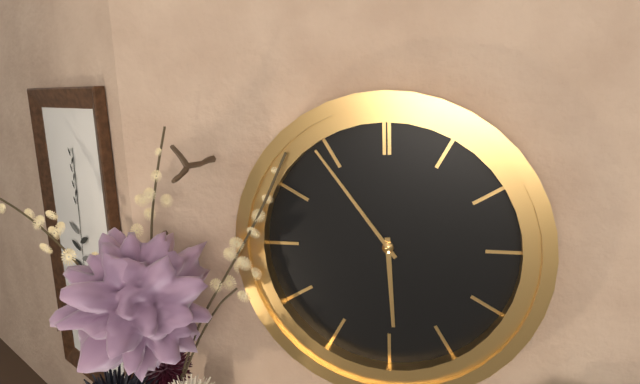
5:54
